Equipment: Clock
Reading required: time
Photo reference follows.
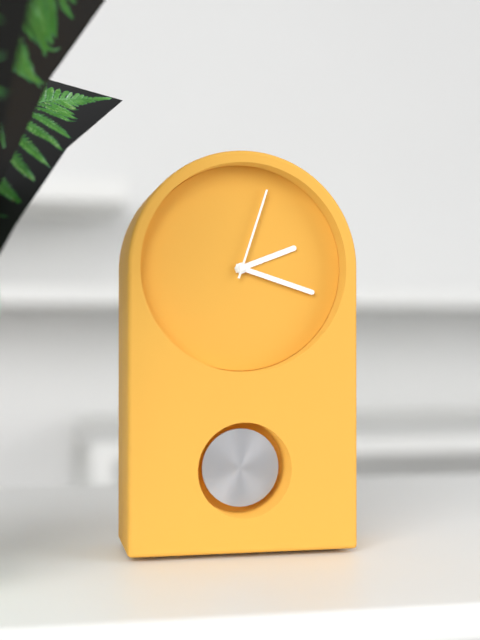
2:18:03
